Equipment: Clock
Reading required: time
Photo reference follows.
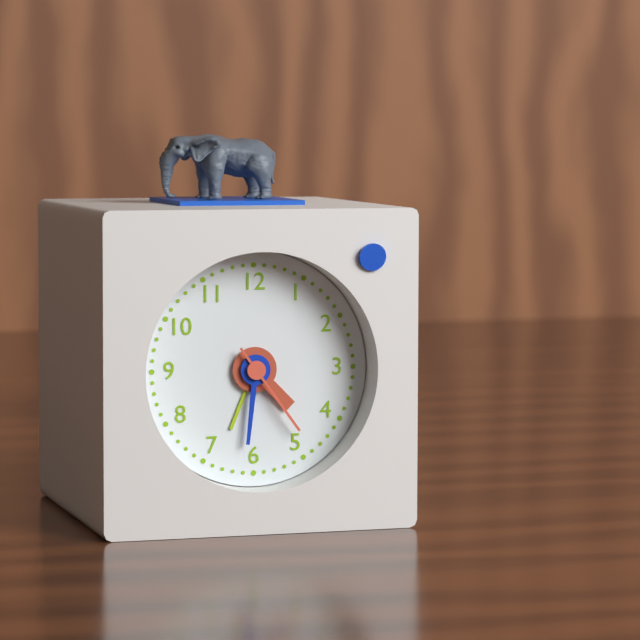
4:31:24
